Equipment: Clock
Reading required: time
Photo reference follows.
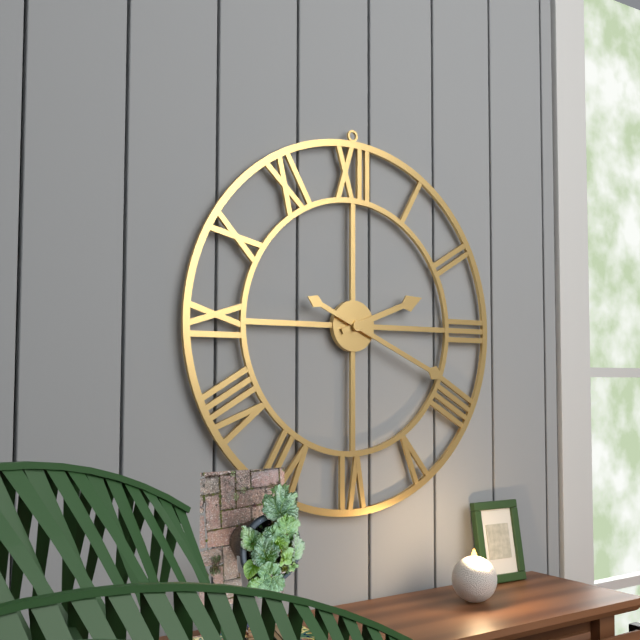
2:19
